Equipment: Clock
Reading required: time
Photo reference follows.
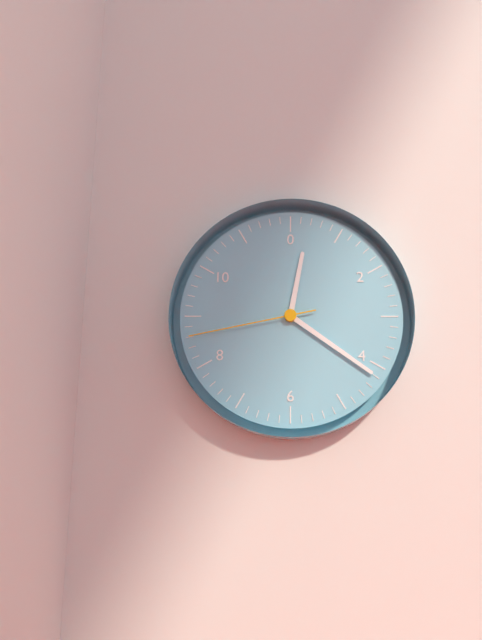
12:21:43
